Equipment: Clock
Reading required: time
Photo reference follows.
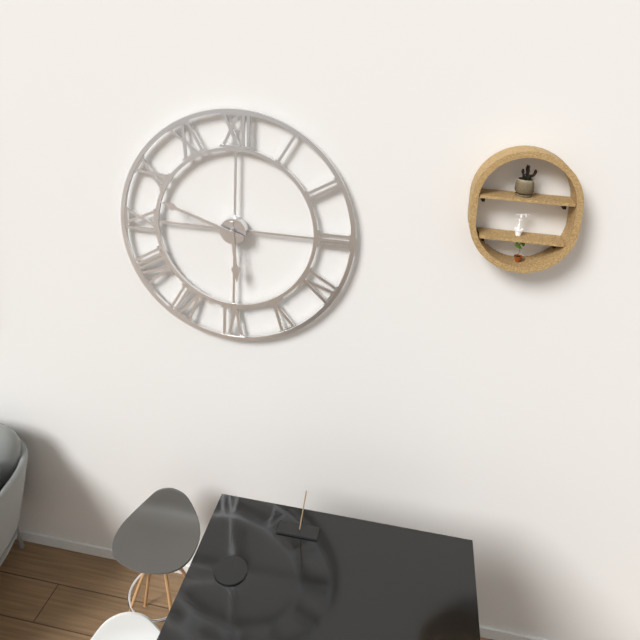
5:48
